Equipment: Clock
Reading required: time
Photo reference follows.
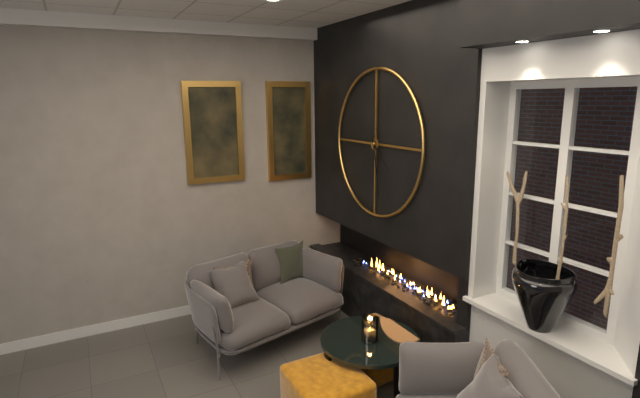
4:28
